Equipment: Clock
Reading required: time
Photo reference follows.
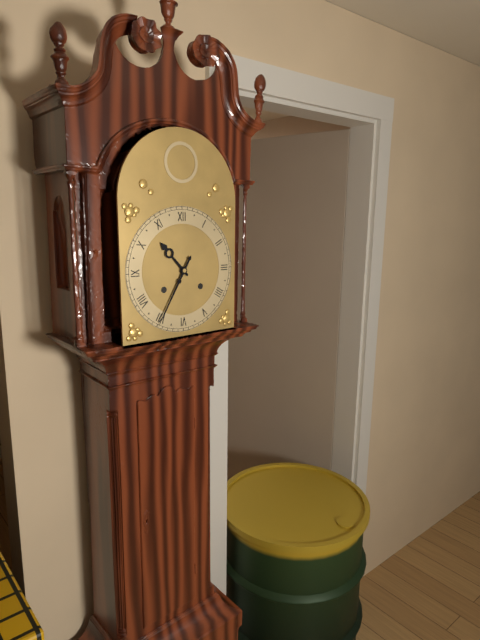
10:35
